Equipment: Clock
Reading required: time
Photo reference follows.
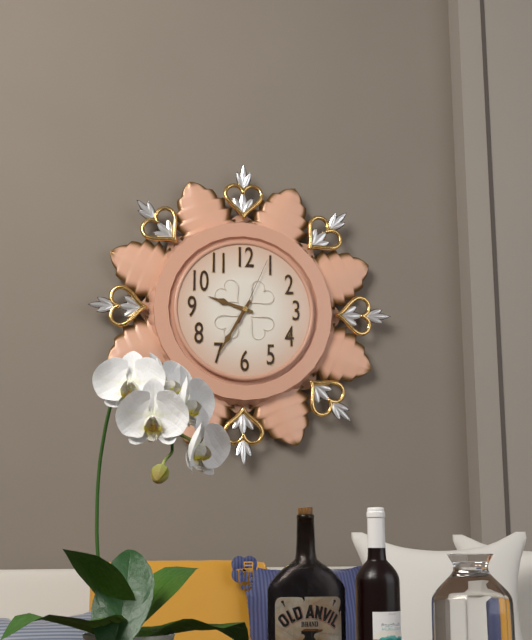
9:35:04
